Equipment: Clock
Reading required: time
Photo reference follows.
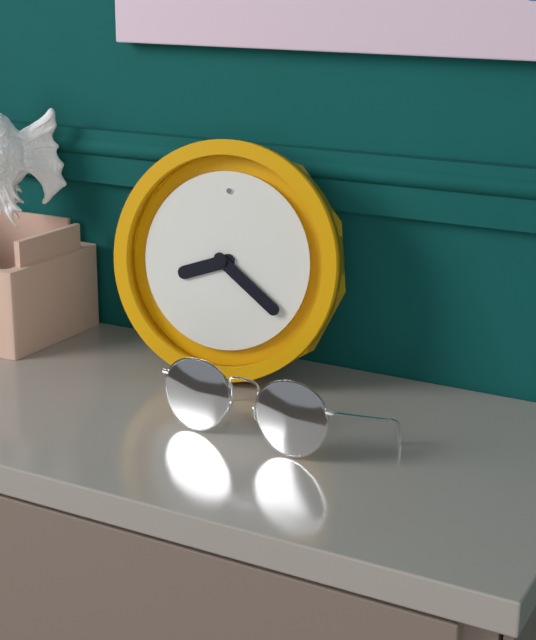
8:21
